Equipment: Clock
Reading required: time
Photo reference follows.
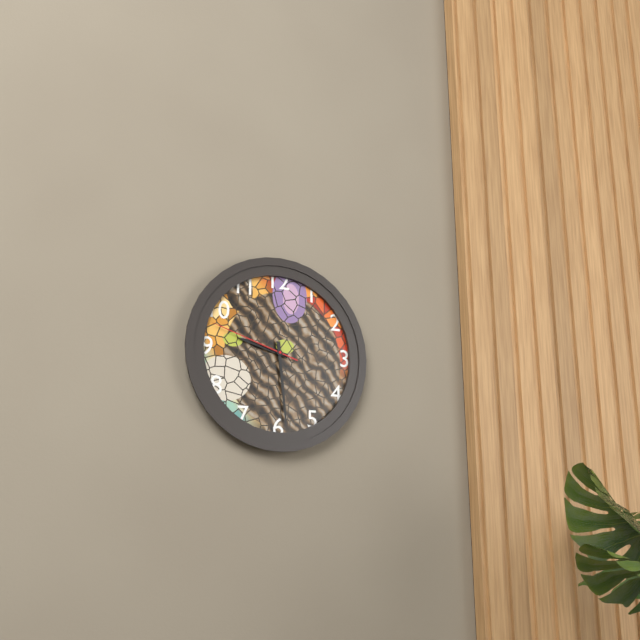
9:29:48
